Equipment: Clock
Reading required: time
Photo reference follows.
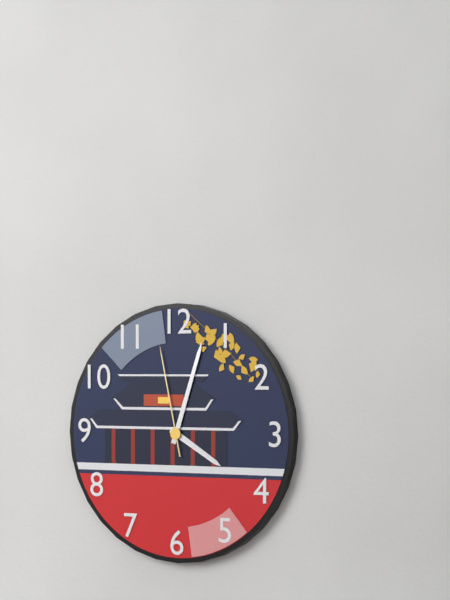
4:03:58
